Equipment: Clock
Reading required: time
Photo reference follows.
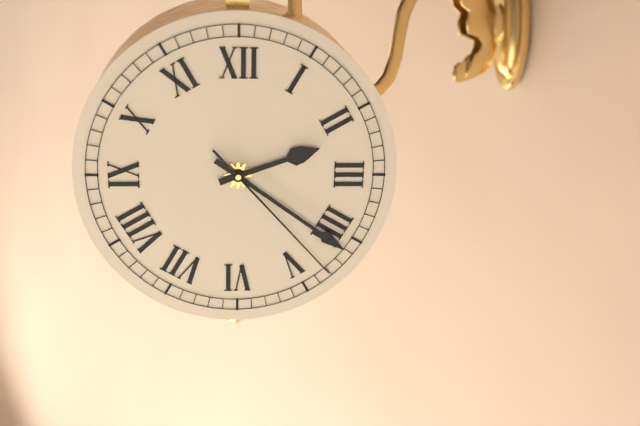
2:21:23
